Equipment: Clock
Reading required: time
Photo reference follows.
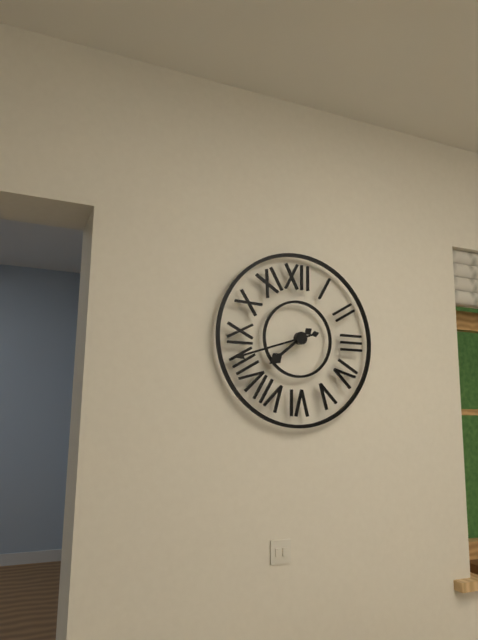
7:42
